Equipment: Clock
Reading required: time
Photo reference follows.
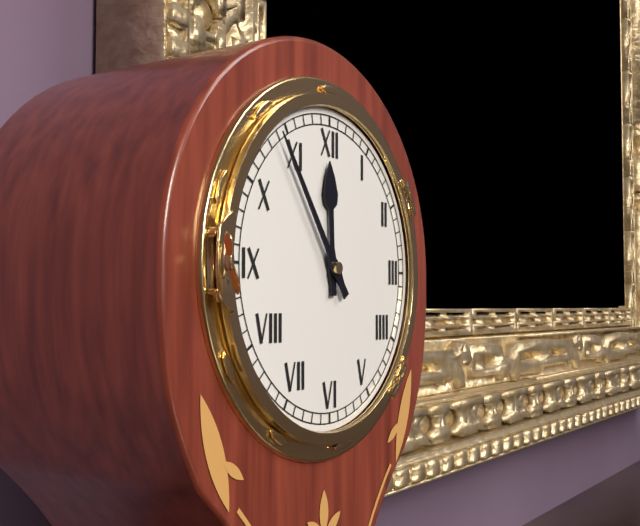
11:54
